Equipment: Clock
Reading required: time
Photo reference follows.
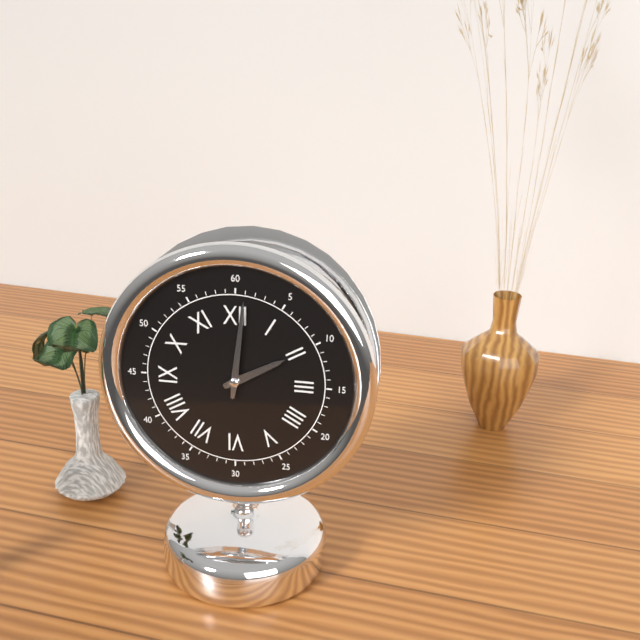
2:01
